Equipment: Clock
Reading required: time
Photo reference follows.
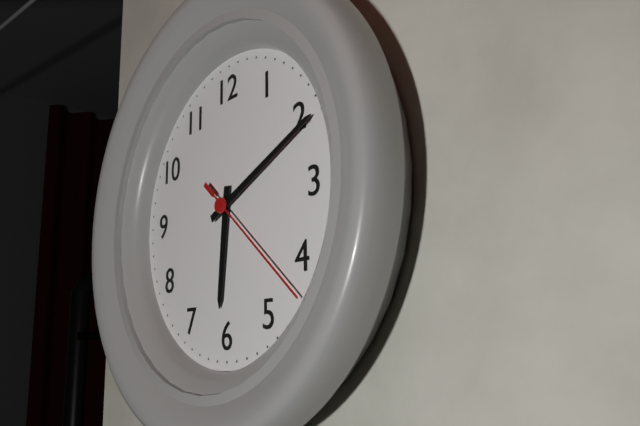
6:11:22
